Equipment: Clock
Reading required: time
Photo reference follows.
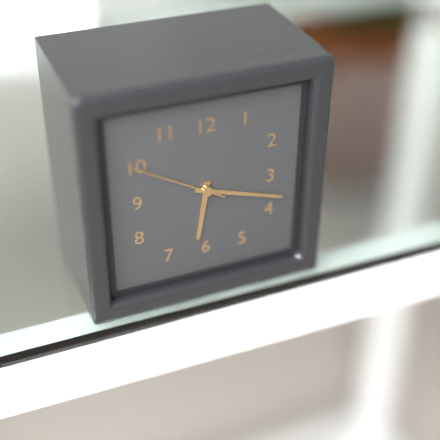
6:18:50
